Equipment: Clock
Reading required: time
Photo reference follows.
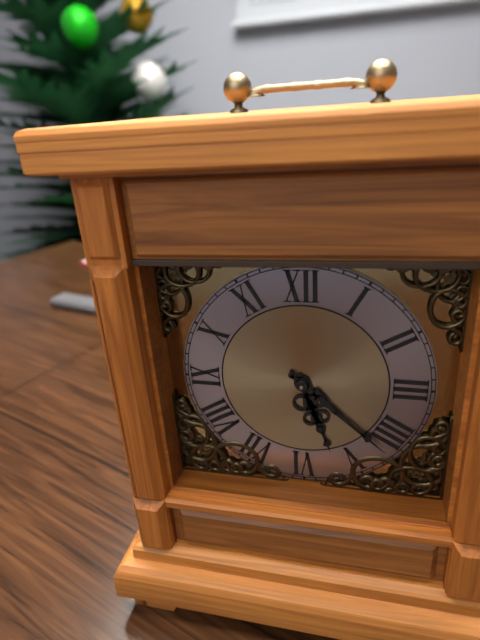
5:22
